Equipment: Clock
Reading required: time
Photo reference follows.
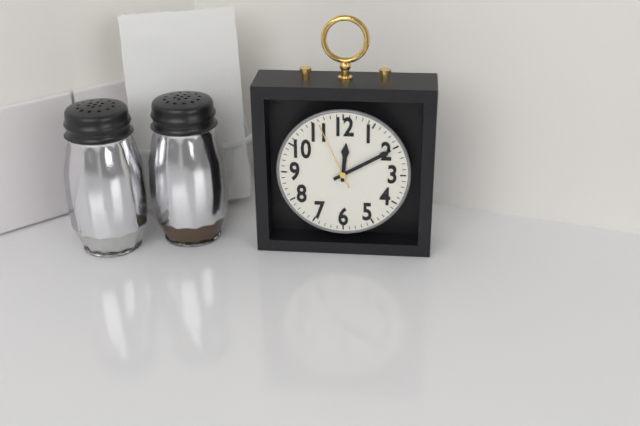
12:10:56
